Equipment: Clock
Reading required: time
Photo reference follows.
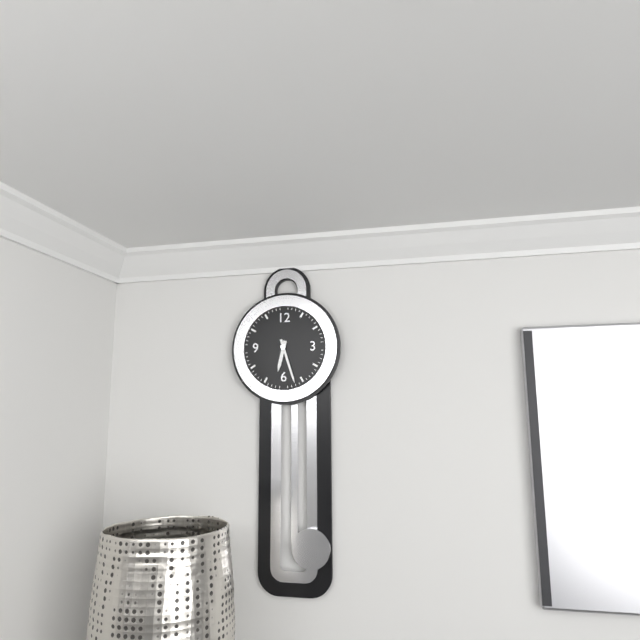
6:27
